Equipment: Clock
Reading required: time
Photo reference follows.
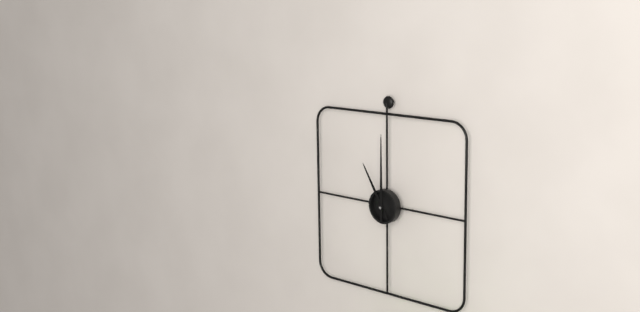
11:00
